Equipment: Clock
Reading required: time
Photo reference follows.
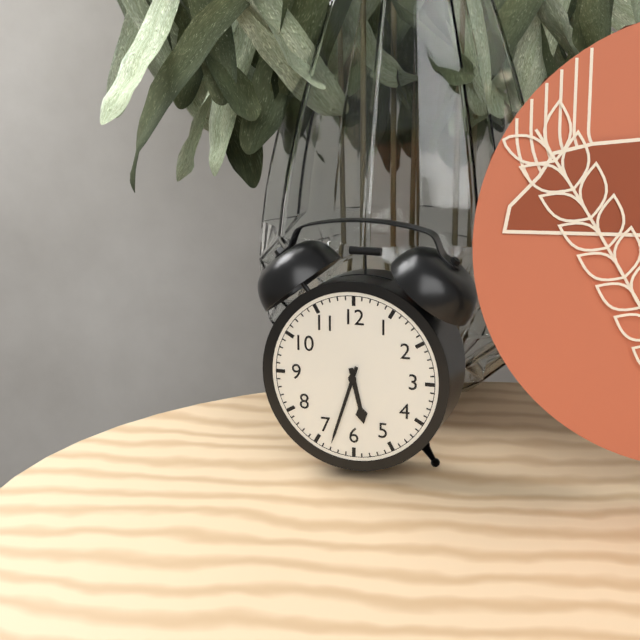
5:33
